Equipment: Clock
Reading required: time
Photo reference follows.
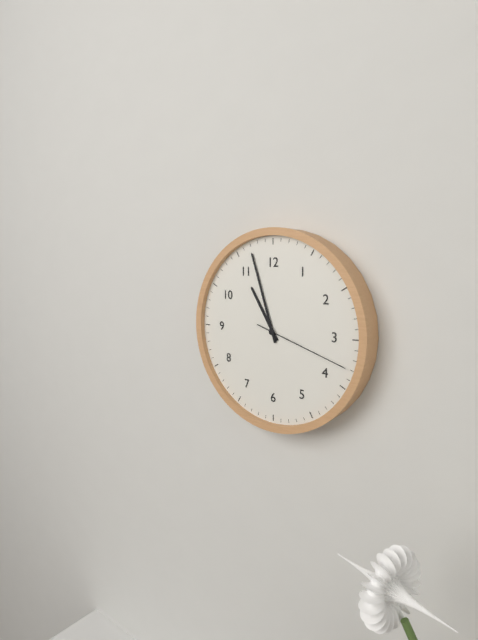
10:57:18
